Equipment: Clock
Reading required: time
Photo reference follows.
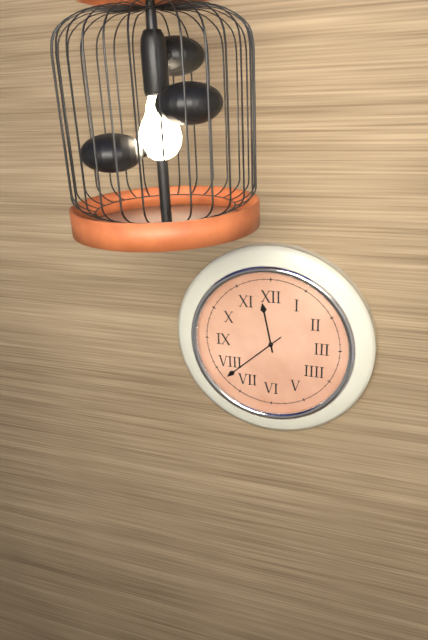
11:38
